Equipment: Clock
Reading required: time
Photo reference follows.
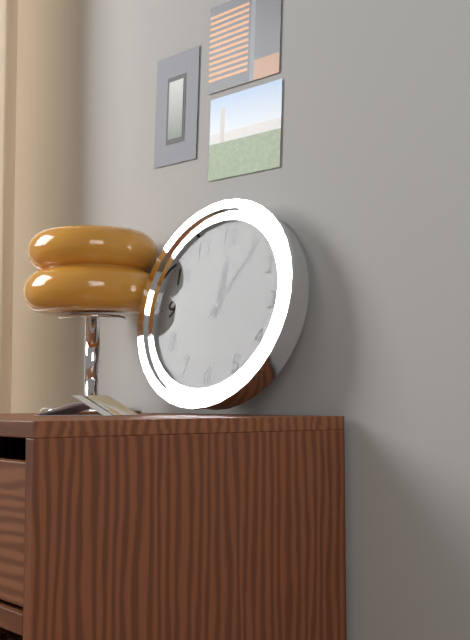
12:06
